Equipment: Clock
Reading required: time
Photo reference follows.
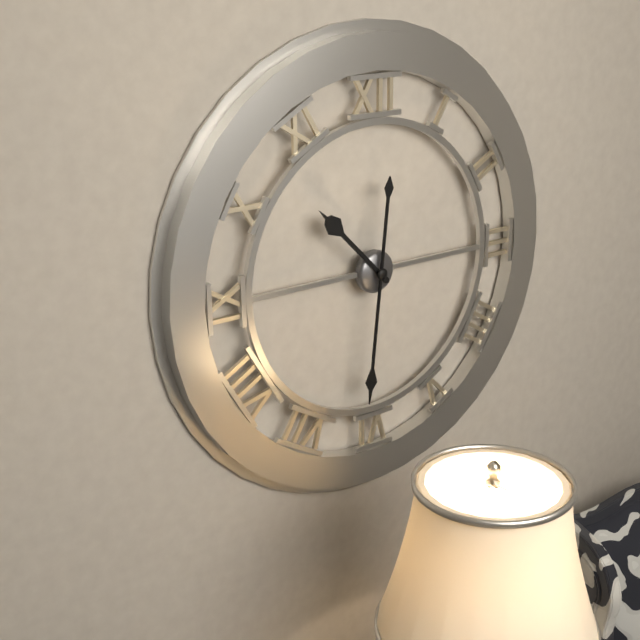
10:31
